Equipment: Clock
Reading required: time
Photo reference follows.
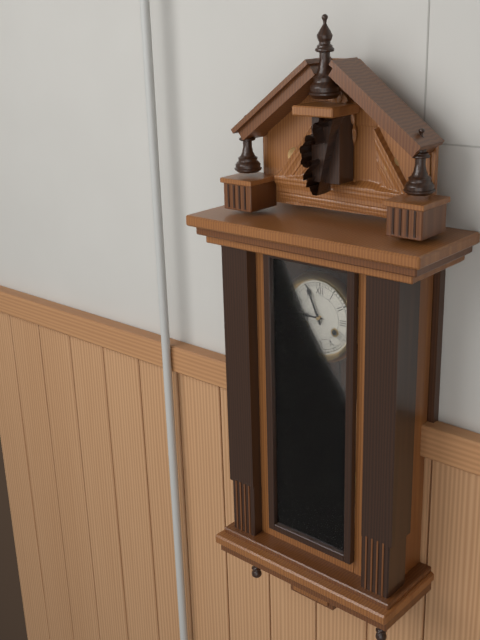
8:56
